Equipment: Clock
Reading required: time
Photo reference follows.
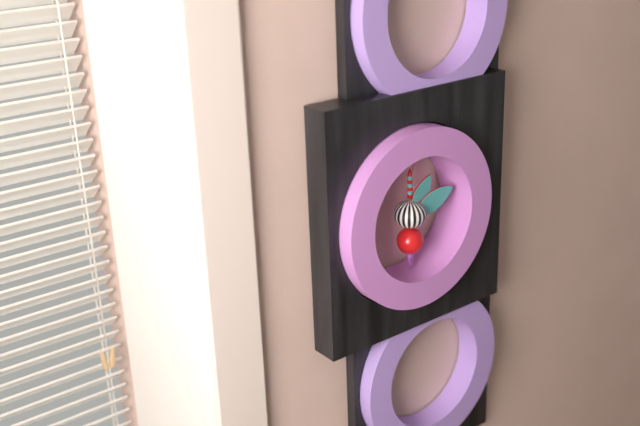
1:12
